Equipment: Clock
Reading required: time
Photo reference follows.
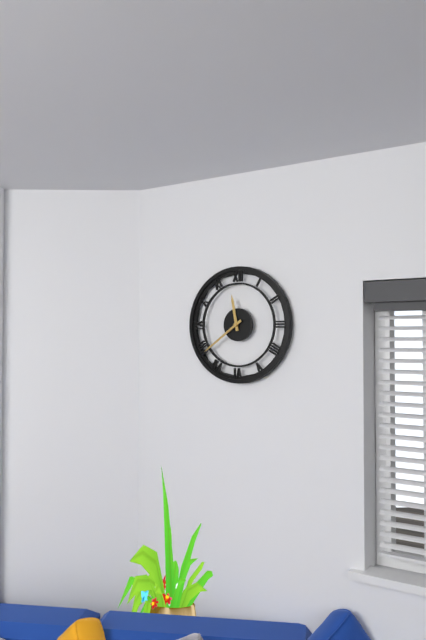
11:39
